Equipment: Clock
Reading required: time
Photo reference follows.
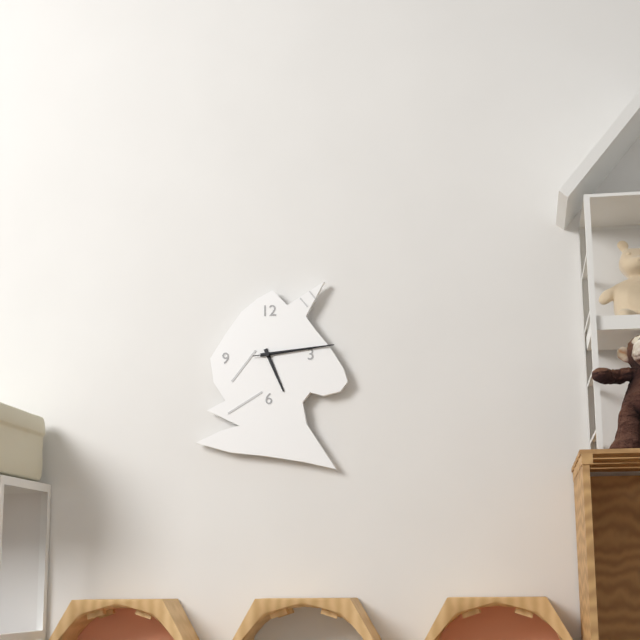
5:14:14
